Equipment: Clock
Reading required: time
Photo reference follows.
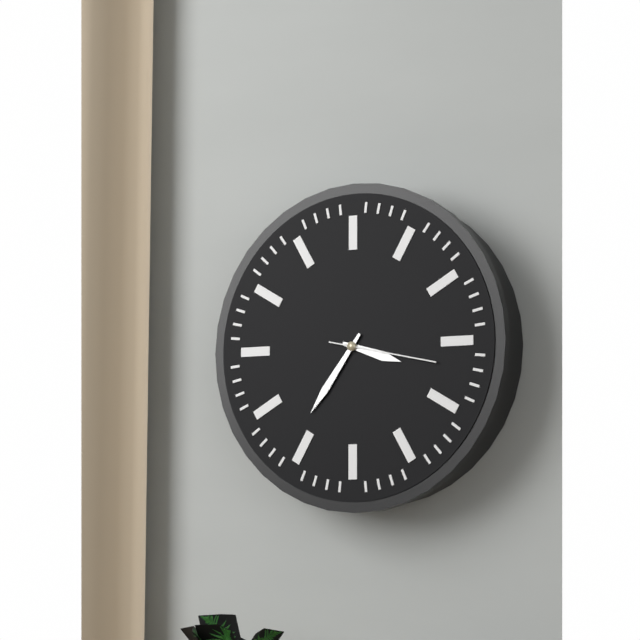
3:36:17
